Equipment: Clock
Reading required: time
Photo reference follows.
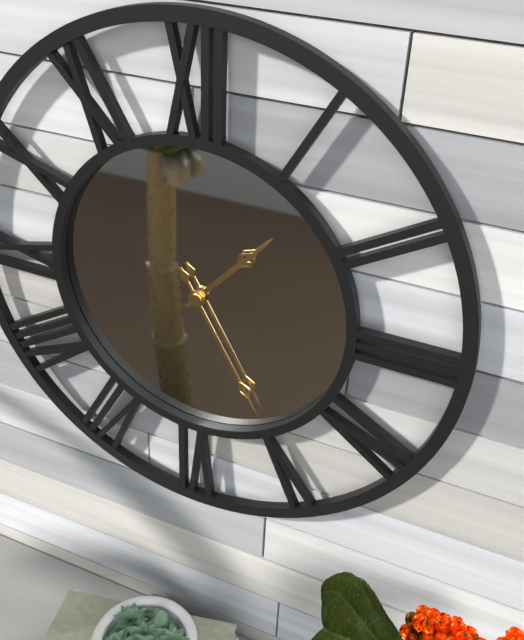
1:25
